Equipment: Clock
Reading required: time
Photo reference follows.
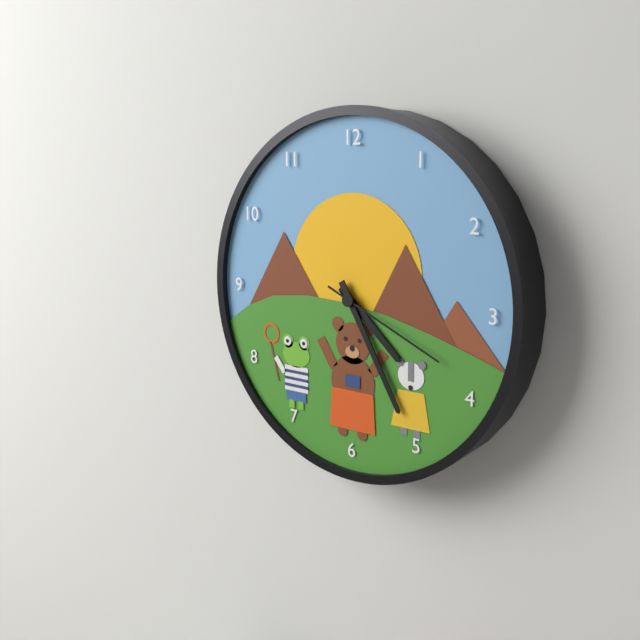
4:25:19
